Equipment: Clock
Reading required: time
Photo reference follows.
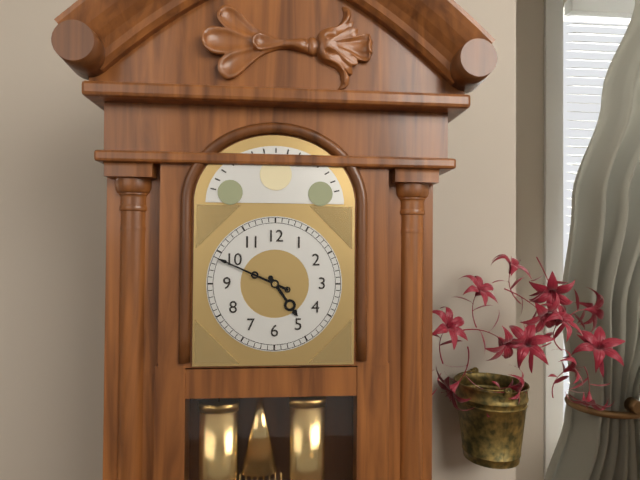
4:49
